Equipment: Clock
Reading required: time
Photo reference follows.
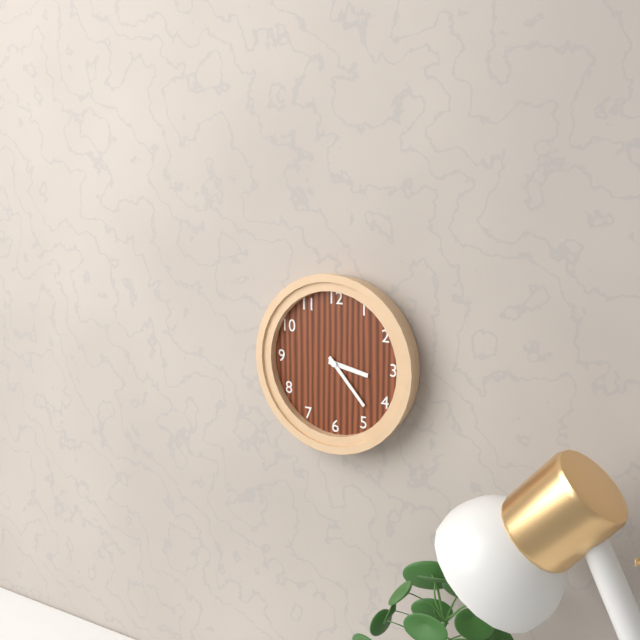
3:23
